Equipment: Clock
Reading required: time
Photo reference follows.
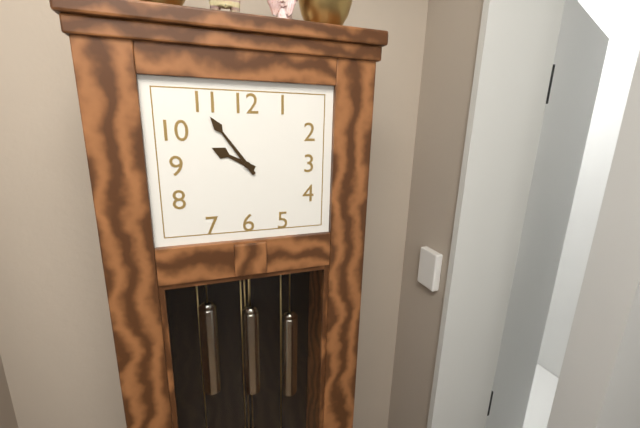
9:54
